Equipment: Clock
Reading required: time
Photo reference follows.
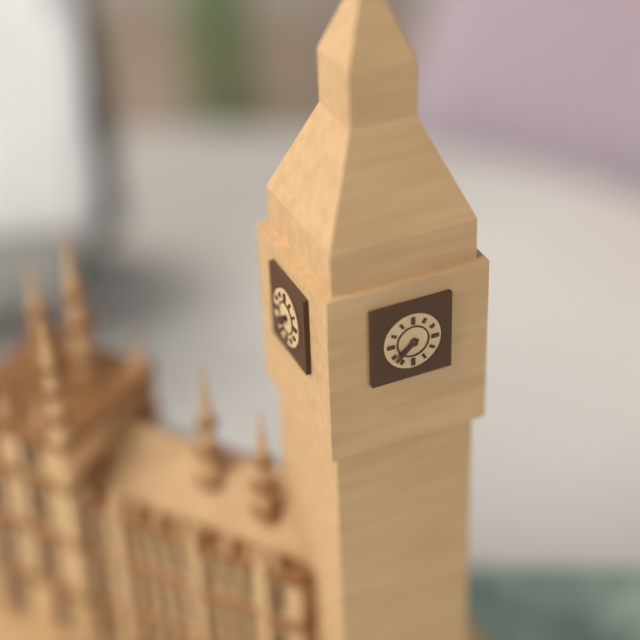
7:38
